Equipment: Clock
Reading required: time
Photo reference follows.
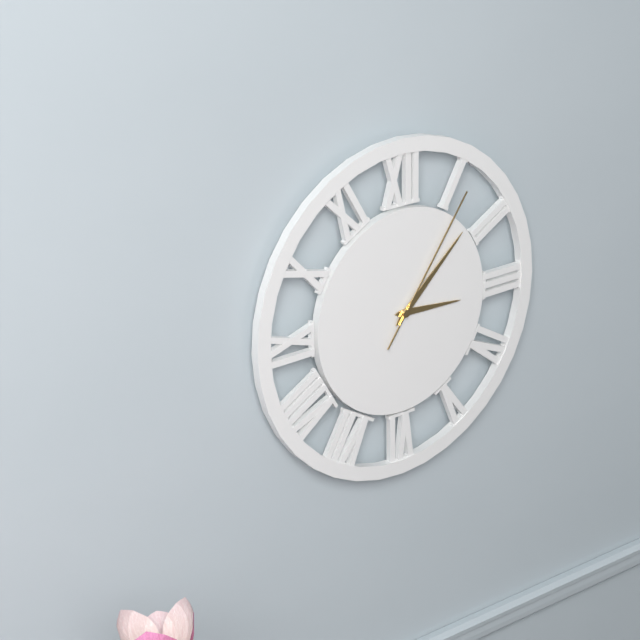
3:08:06
